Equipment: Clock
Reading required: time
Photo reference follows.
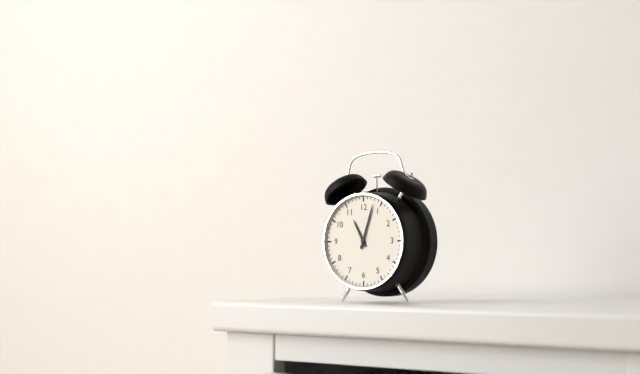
11:03
